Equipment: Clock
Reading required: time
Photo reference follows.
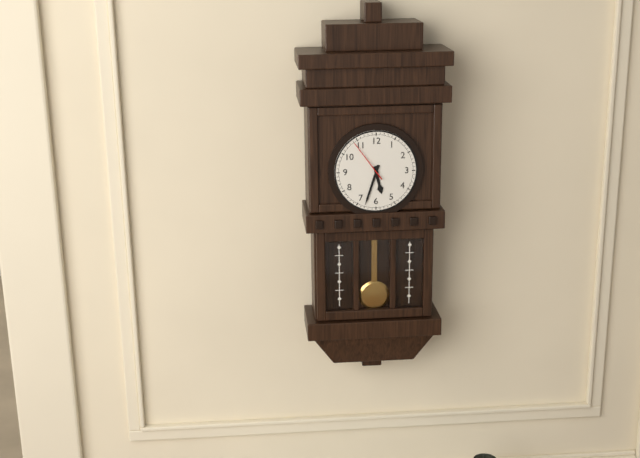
5:33
